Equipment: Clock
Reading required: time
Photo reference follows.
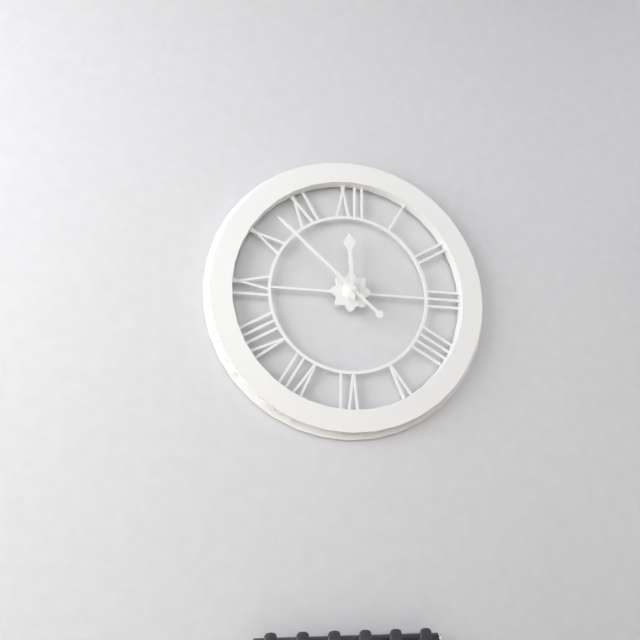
11:52
